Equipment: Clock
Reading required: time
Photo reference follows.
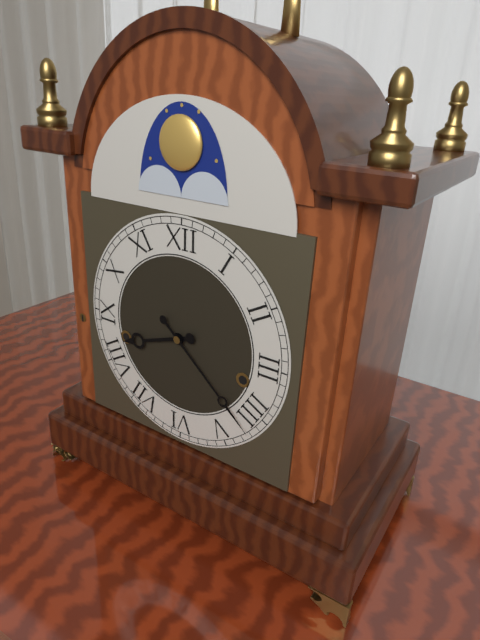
8:22
